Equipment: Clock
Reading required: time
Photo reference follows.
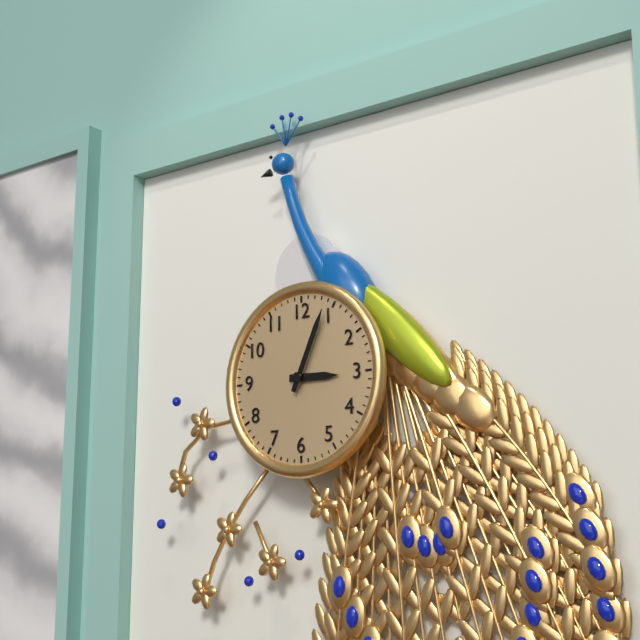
3:04
